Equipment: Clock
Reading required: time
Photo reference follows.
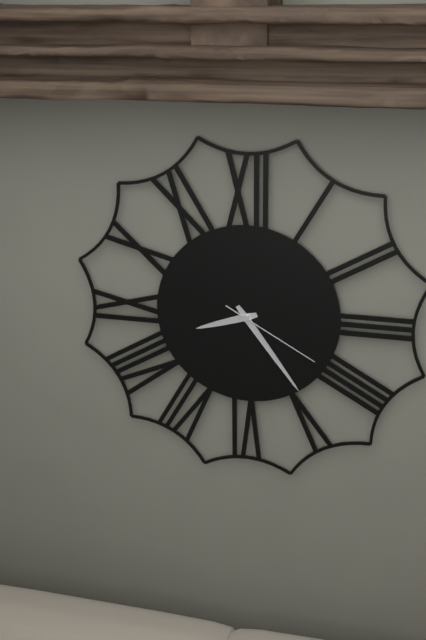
8:24:20
